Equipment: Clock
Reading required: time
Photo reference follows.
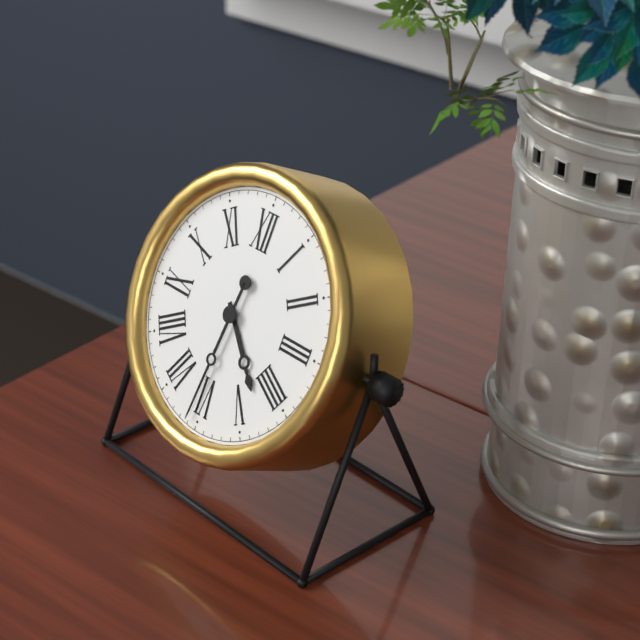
4:31
